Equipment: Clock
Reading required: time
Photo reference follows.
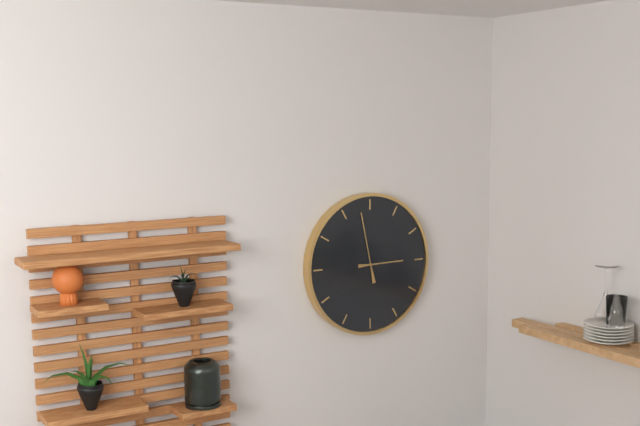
2:58
